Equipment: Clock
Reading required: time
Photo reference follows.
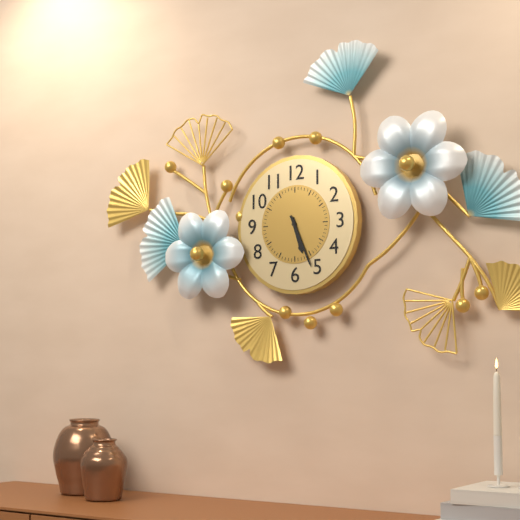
5:26
